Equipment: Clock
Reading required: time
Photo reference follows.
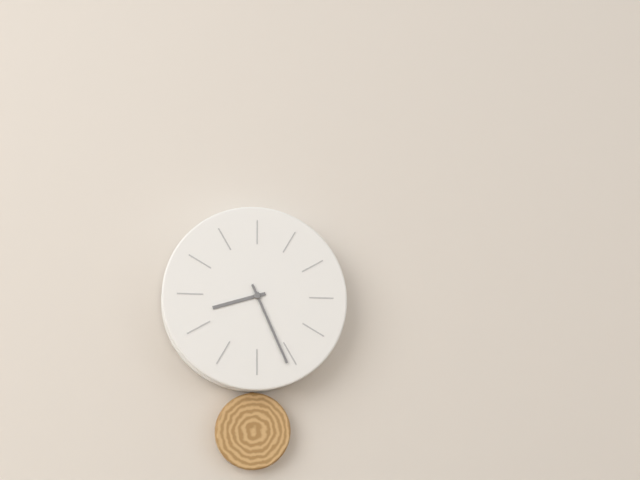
8:26
